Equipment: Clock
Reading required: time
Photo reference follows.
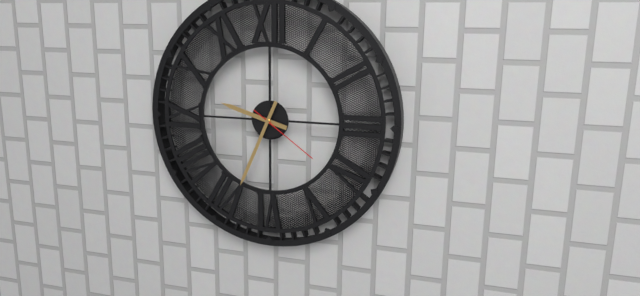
9:34:21
